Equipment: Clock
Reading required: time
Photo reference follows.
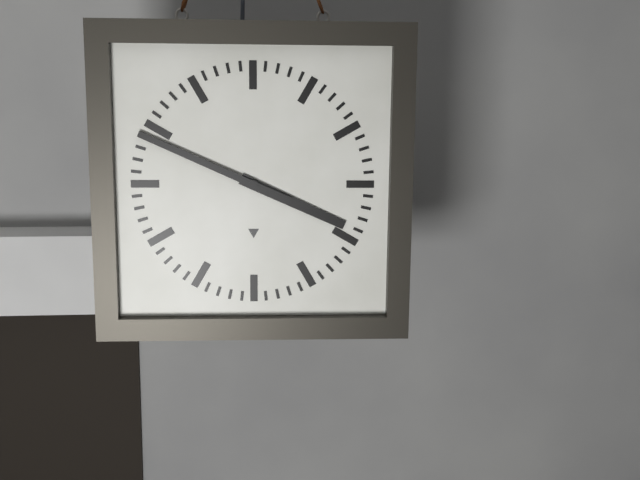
3:49
